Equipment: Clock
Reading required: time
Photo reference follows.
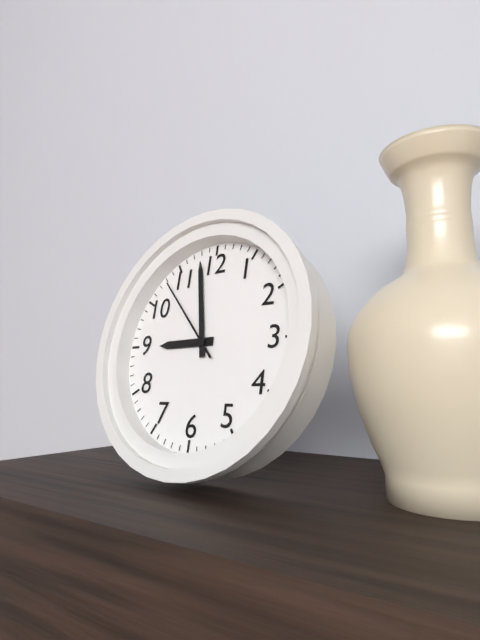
8:58:53
